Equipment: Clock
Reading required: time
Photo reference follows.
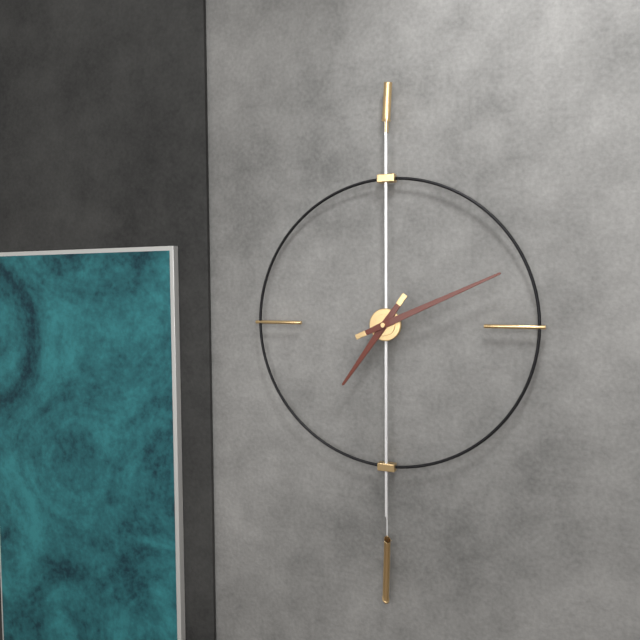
7:11
